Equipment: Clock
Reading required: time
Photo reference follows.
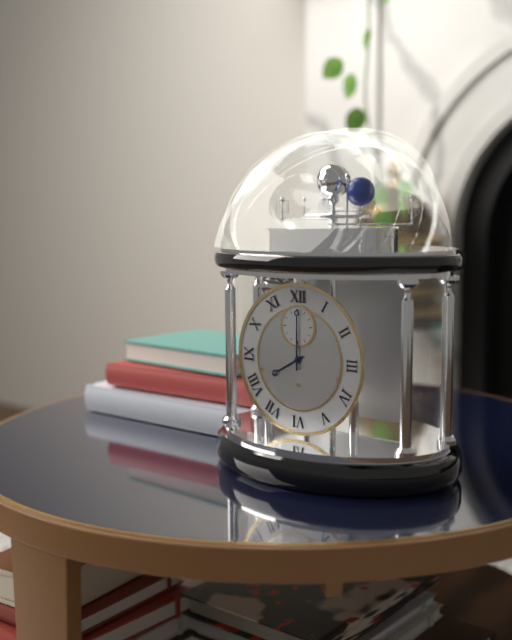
8:00
